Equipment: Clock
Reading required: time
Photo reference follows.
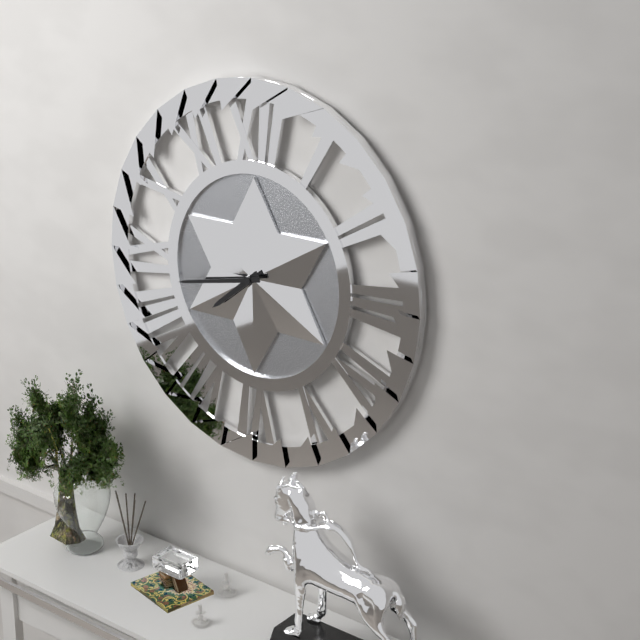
7:43
